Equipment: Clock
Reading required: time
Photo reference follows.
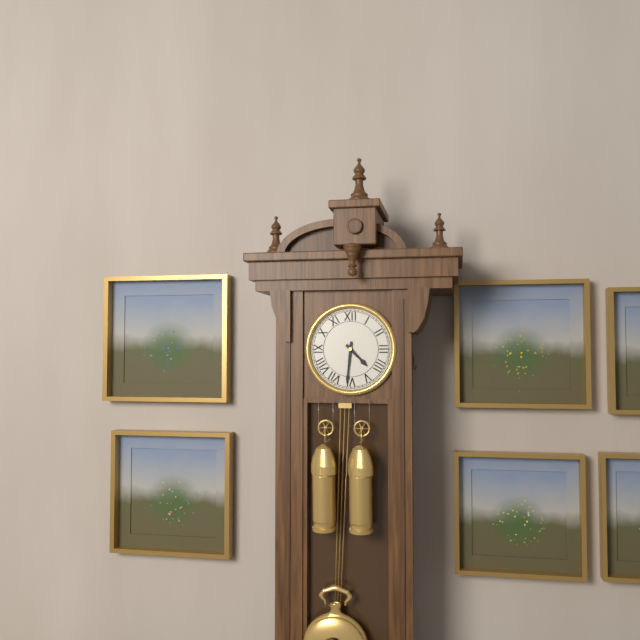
4:31
